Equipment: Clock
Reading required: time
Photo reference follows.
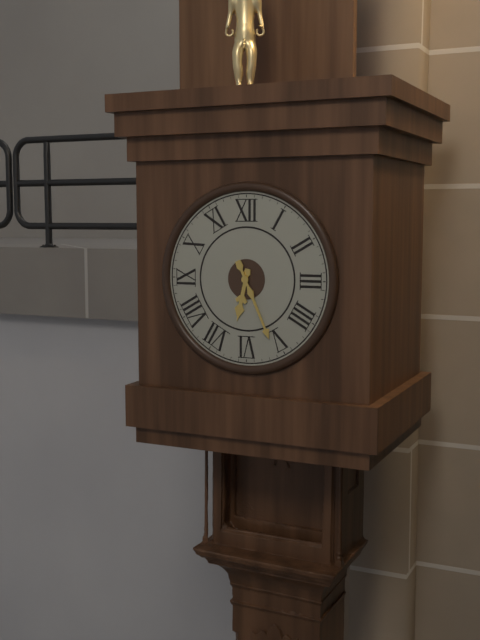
6:26
